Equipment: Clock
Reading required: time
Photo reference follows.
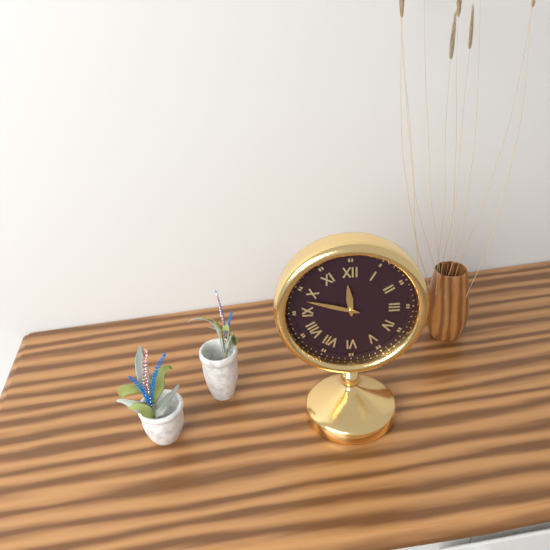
11:48
